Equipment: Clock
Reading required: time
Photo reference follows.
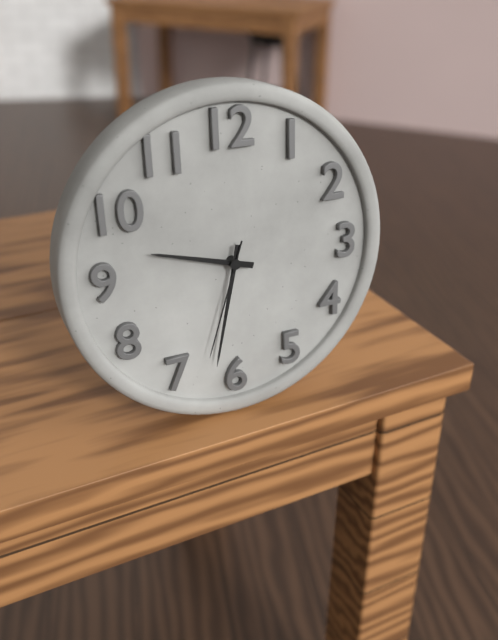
9:32:33
